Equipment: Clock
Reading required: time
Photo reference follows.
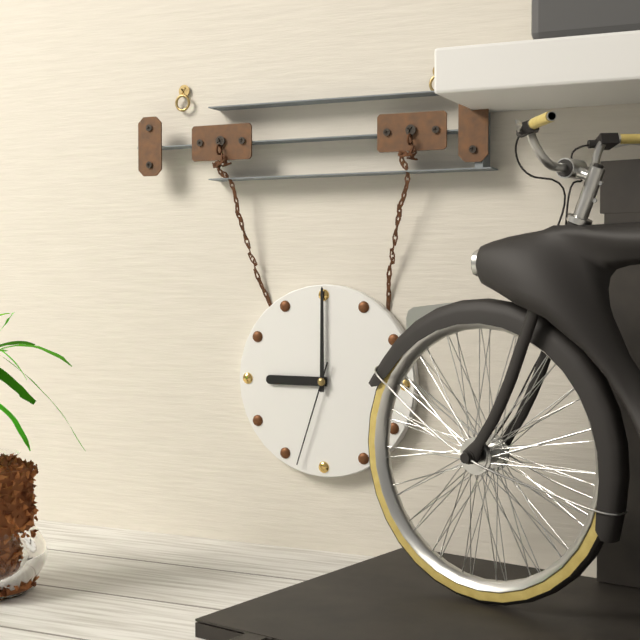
9:00:33
